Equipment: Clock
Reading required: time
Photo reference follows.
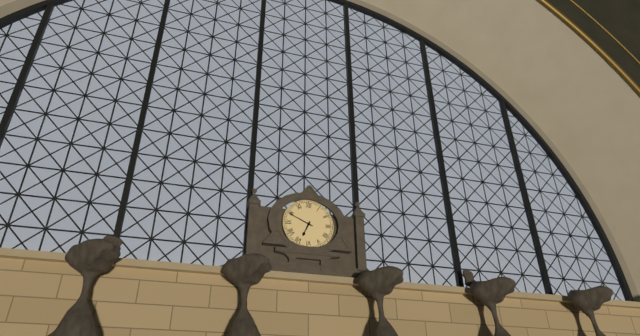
6:49
